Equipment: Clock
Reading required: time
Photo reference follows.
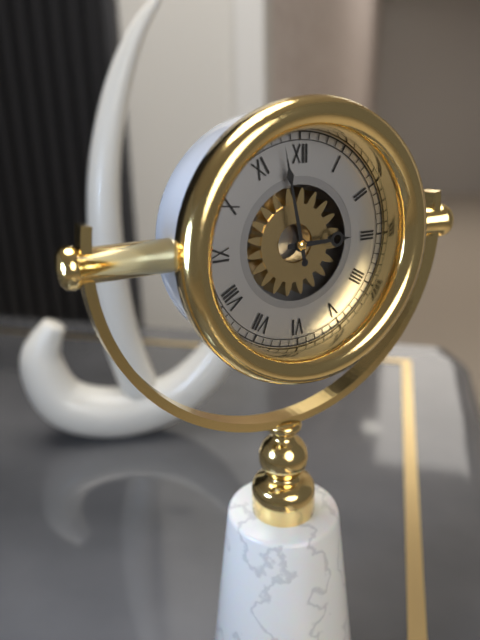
2:58
